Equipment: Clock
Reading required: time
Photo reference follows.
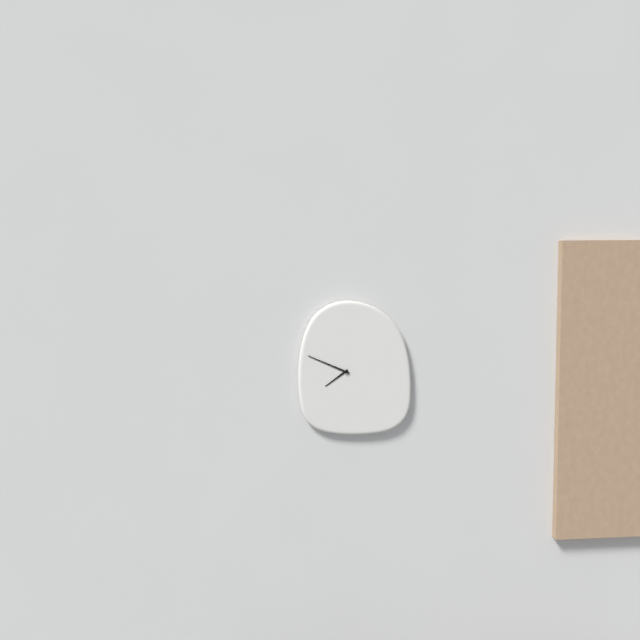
7:49
